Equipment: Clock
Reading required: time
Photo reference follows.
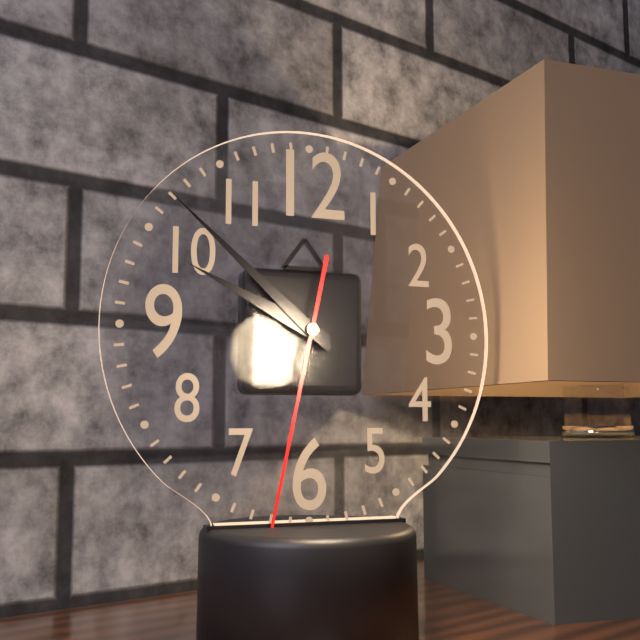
9:52:32
